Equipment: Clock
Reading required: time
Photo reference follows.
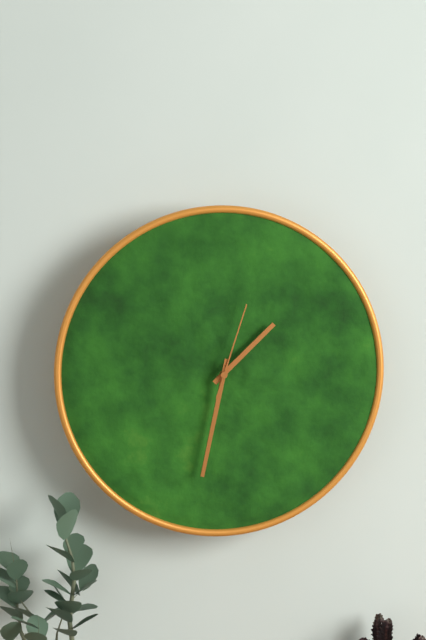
1:32:03
